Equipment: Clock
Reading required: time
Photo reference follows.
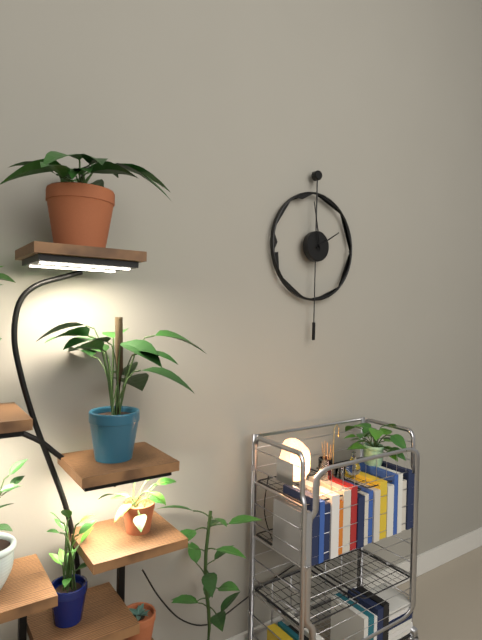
1:58
